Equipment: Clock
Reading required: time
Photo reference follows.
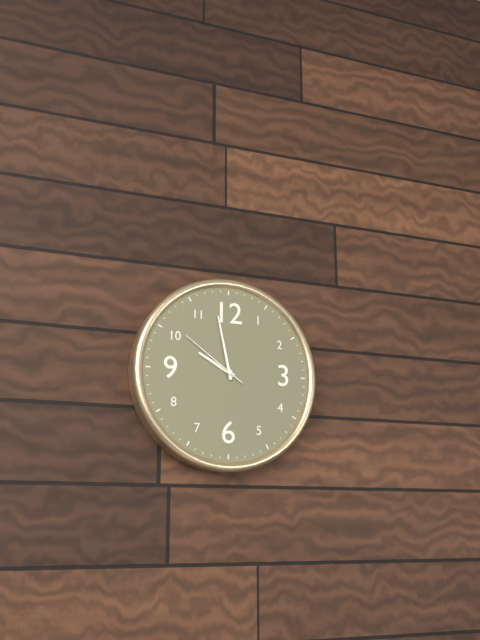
9:58:51
